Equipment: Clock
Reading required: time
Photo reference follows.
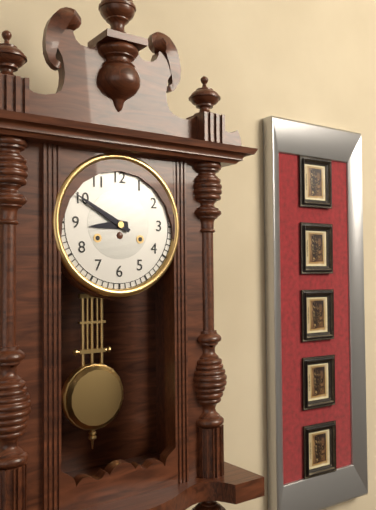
8:50
